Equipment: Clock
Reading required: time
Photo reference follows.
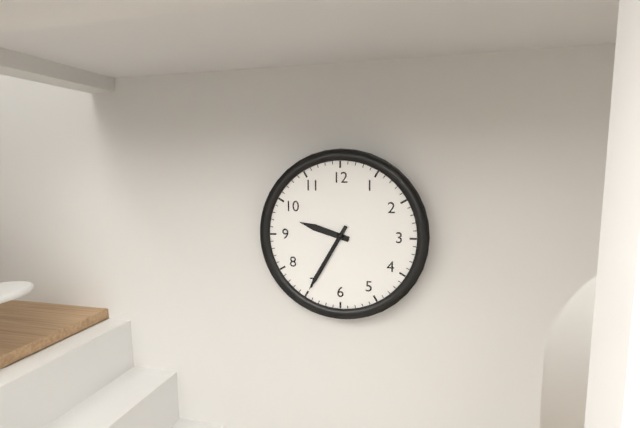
9:35
